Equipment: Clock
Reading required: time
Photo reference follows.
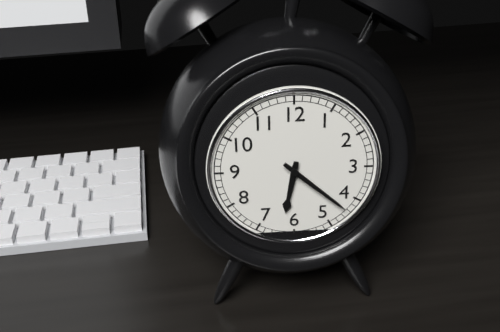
6:22
